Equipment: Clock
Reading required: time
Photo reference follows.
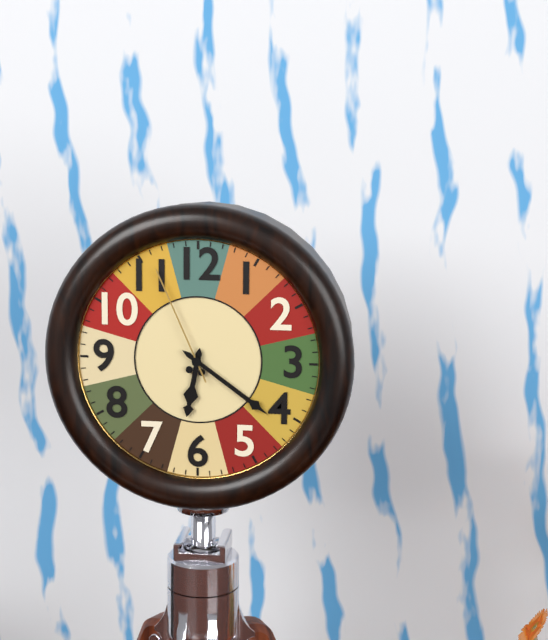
6:21:56
